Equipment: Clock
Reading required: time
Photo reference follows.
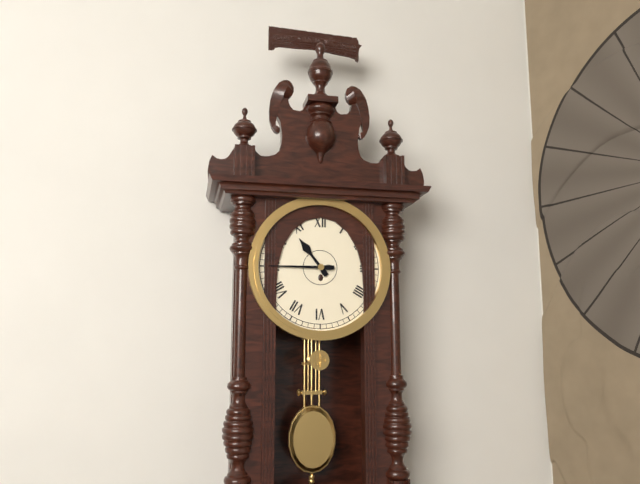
10:45
